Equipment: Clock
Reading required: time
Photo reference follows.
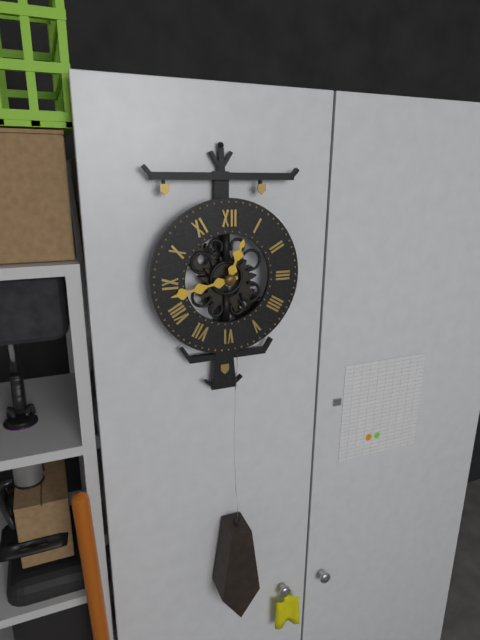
12:43
